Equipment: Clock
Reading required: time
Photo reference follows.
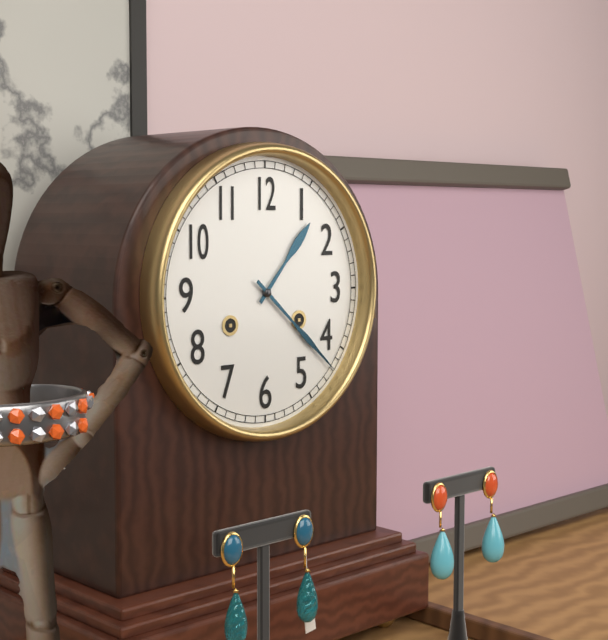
1:22
